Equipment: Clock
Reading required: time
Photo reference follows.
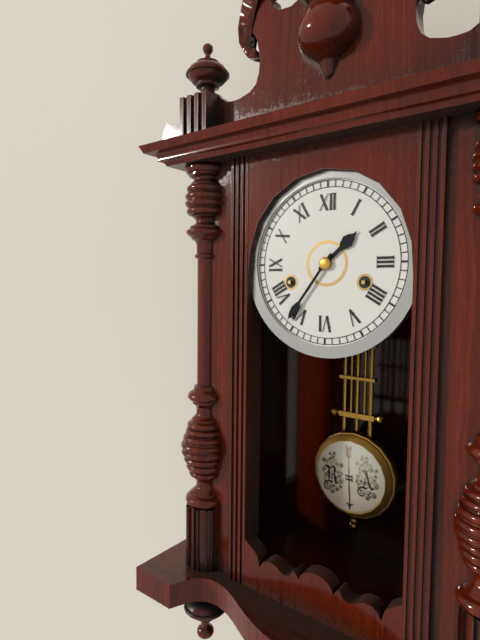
1:36
